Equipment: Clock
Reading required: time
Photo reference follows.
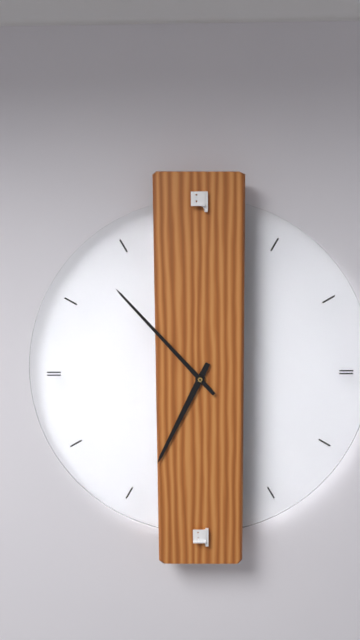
6:53
